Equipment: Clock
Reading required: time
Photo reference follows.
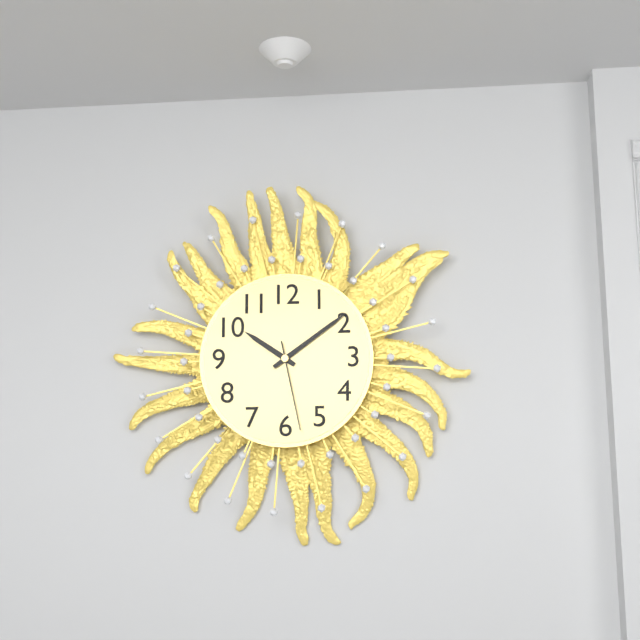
10:09:28
